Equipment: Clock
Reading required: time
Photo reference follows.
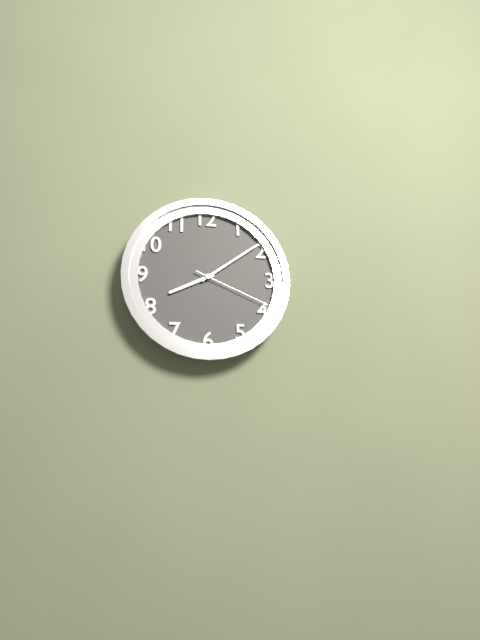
8:09:19
